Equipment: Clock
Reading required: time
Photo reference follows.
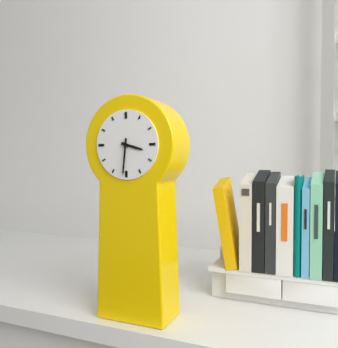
3:31
